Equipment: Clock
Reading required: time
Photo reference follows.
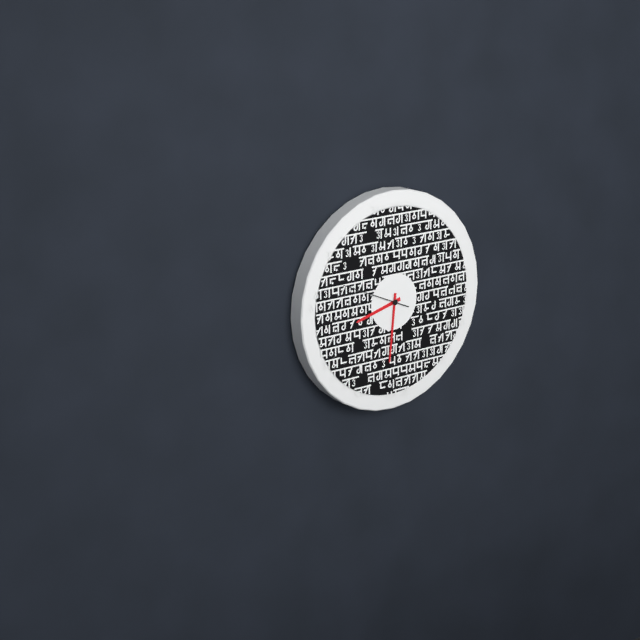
8:31:49
